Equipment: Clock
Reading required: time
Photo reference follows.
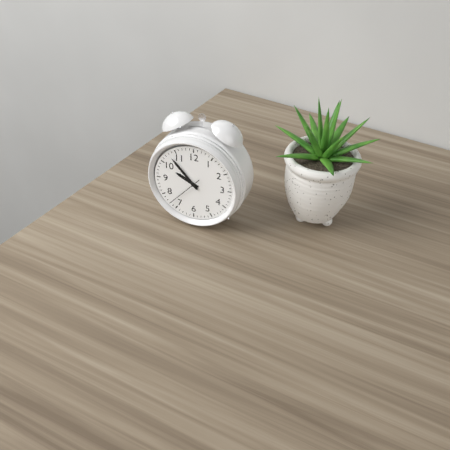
9:53
